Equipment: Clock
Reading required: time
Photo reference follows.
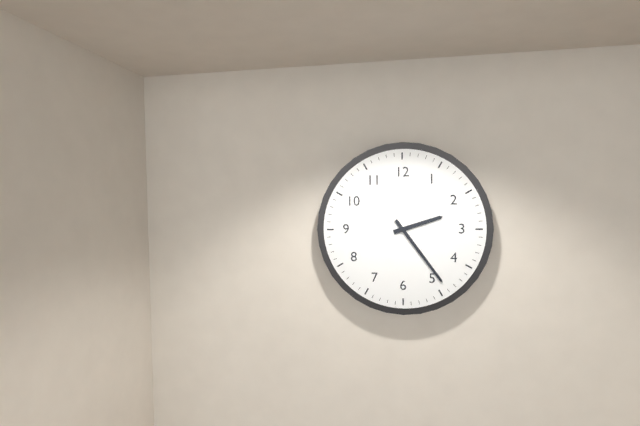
2:24
